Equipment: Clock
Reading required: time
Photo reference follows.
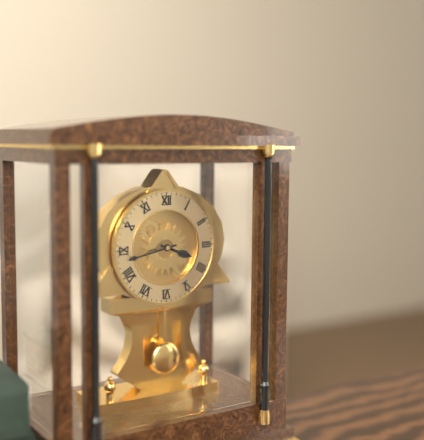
3:43
